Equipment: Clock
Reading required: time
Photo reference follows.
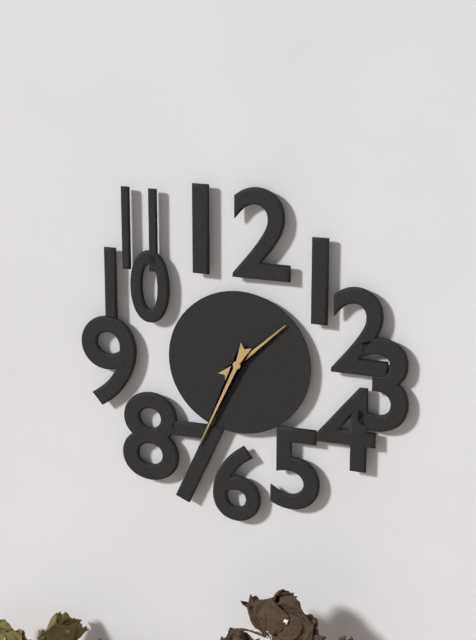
1:34
